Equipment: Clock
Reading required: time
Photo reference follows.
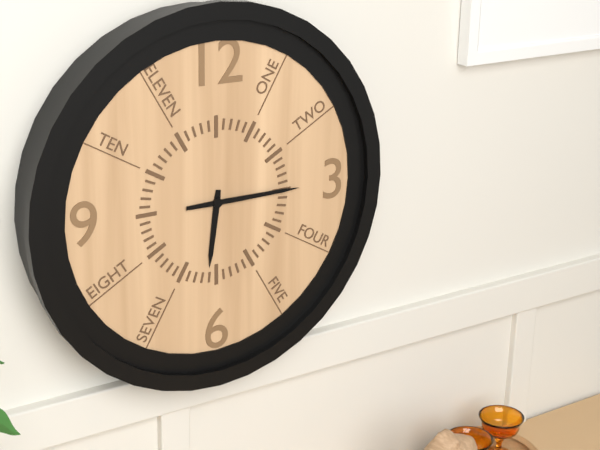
6:15
